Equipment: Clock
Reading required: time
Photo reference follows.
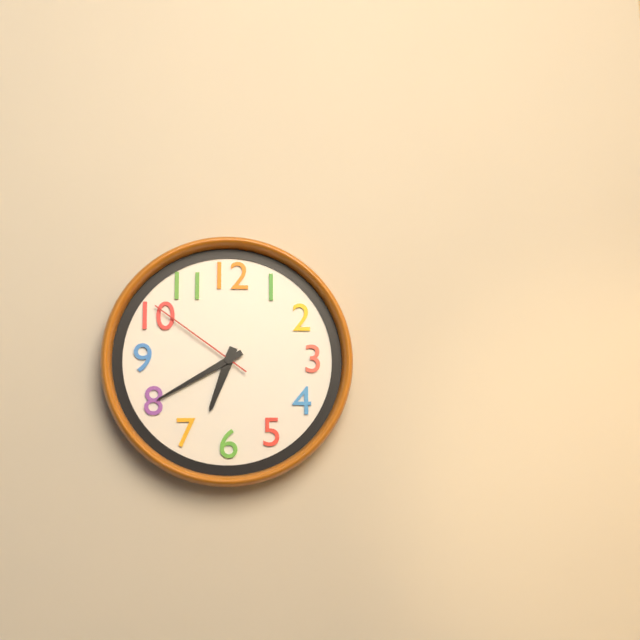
6:40:51
